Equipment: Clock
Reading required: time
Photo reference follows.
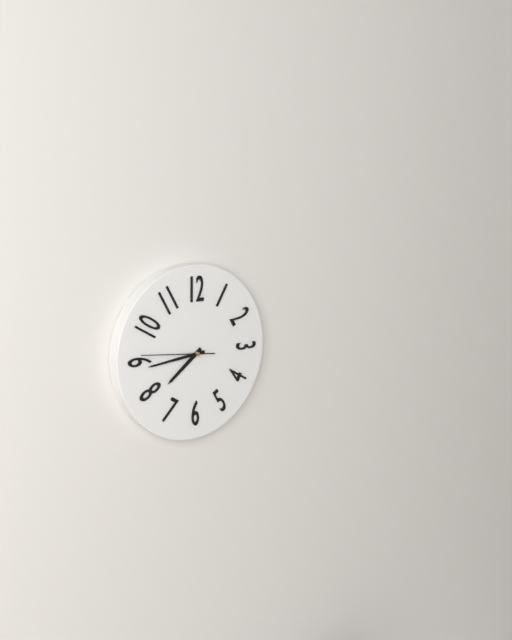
7:44:46
